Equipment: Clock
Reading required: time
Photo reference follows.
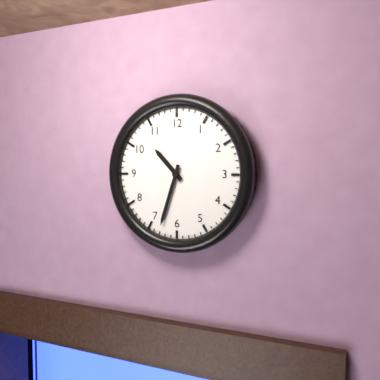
10:33
